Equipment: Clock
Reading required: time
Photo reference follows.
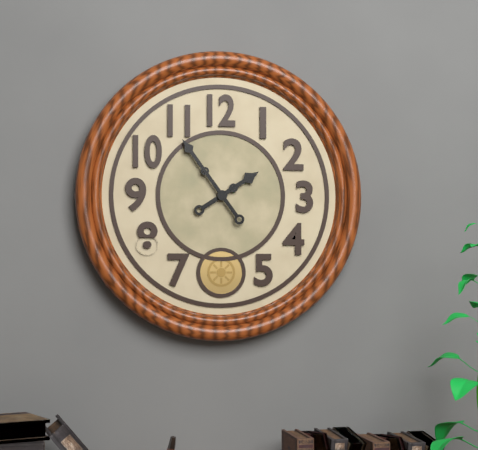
1:54
